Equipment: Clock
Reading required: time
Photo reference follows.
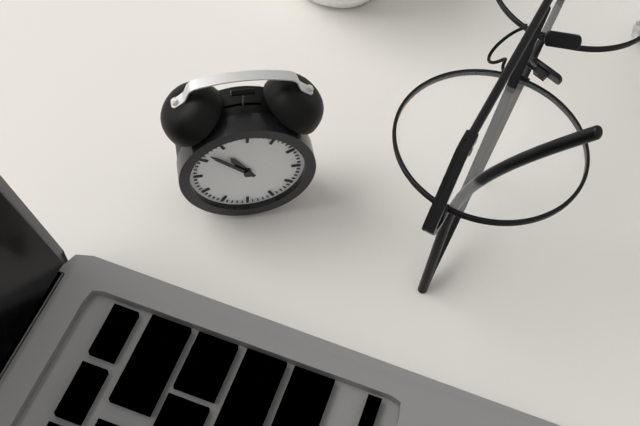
10:52
